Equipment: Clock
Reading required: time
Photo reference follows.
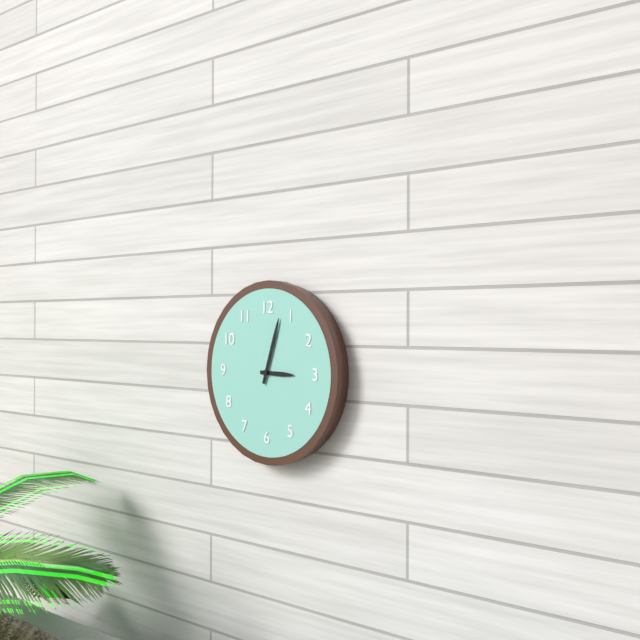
3:03
